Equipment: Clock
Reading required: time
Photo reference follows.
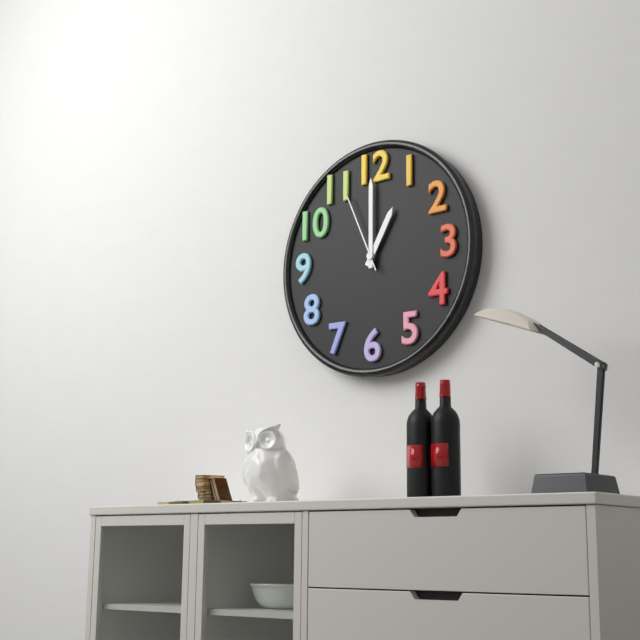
1:00:56
